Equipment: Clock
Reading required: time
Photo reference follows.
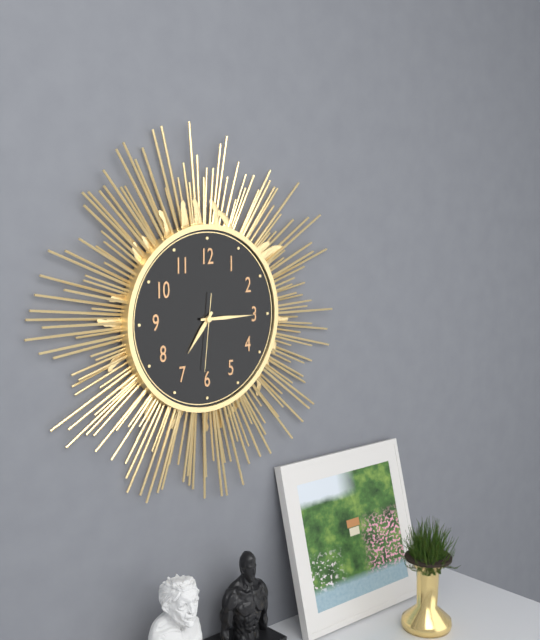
7:15:31
